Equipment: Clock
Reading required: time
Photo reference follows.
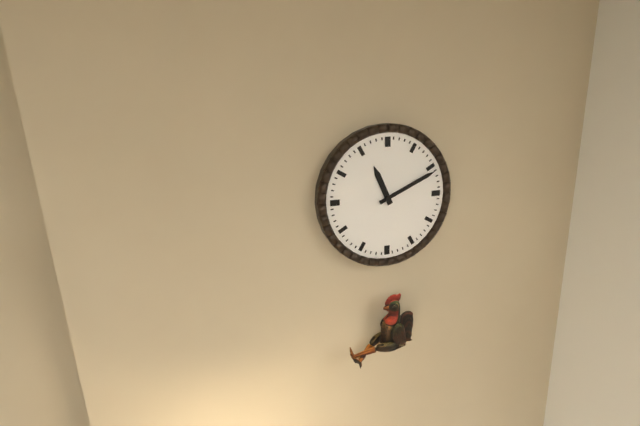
11:11
